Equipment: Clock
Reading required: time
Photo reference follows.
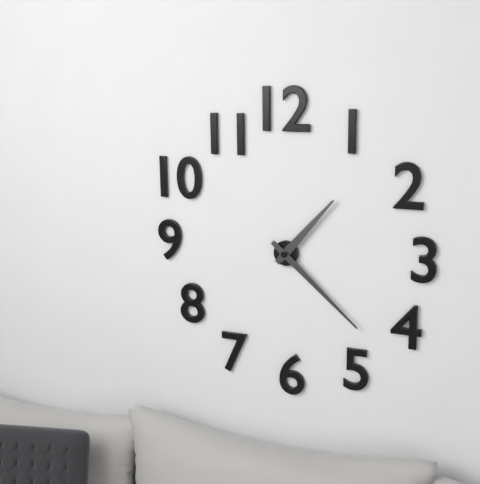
1:22
